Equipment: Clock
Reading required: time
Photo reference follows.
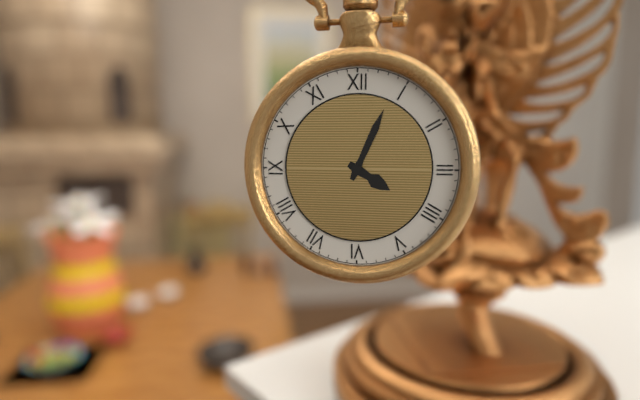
4:04
